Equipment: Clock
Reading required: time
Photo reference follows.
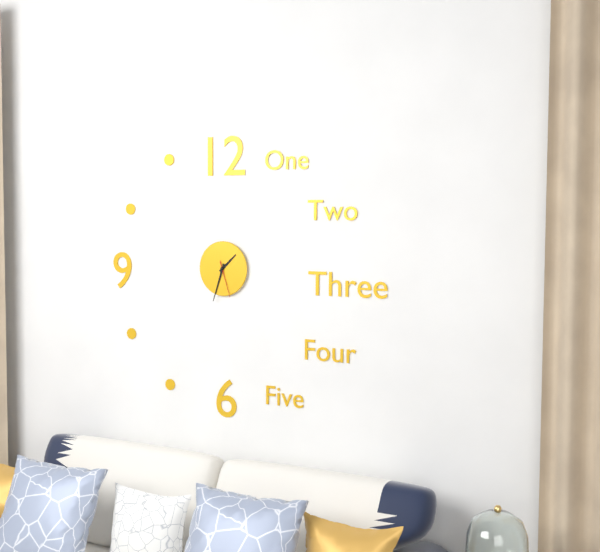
1:33
